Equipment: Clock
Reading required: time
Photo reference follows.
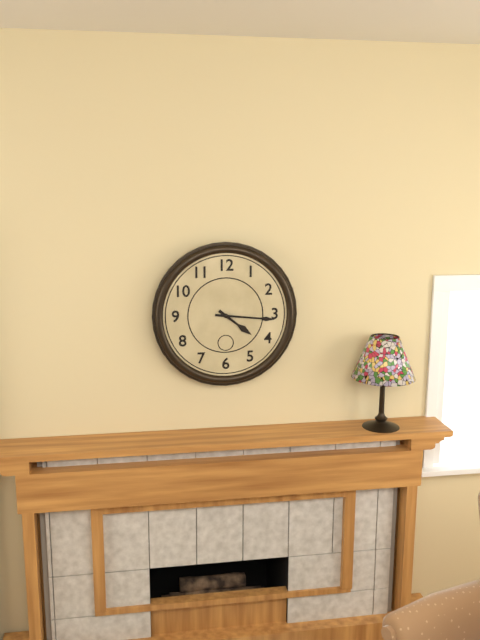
4:16
